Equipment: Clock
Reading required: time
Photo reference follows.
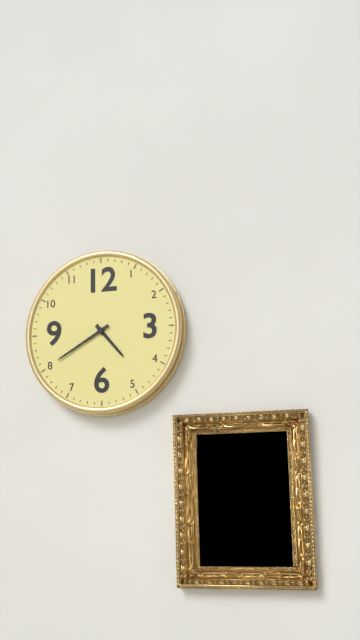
4:40
